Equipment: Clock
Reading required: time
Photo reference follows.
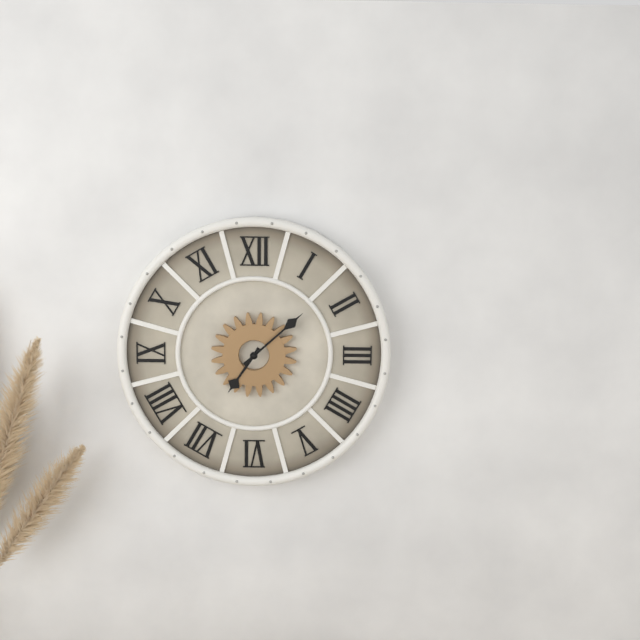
7:08
